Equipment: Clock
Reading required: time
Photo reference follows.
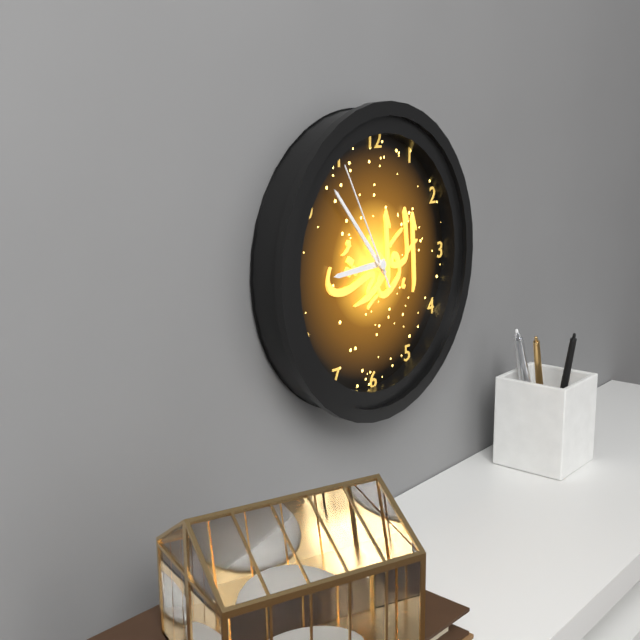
8:53:55
